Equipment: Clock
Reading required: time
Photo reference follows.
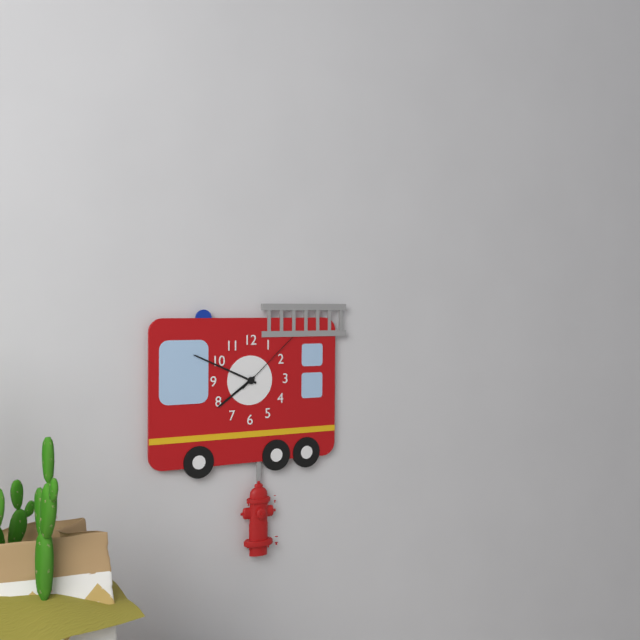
7:49:08
